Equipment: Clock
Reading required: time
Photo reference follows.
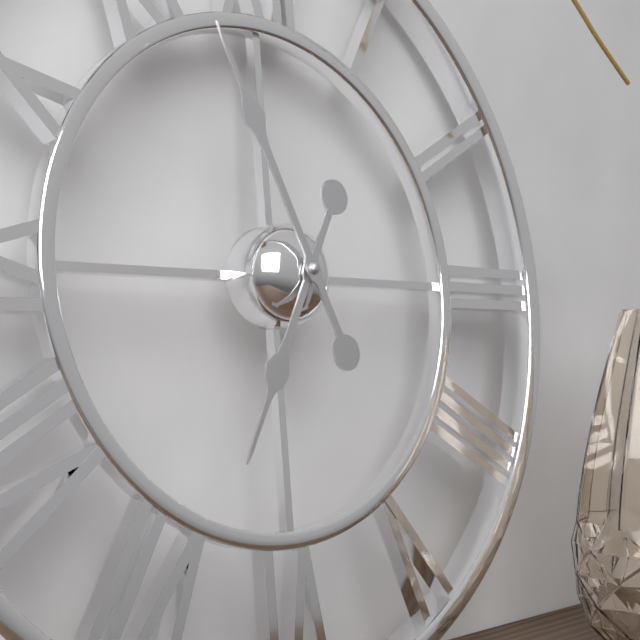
6:56
